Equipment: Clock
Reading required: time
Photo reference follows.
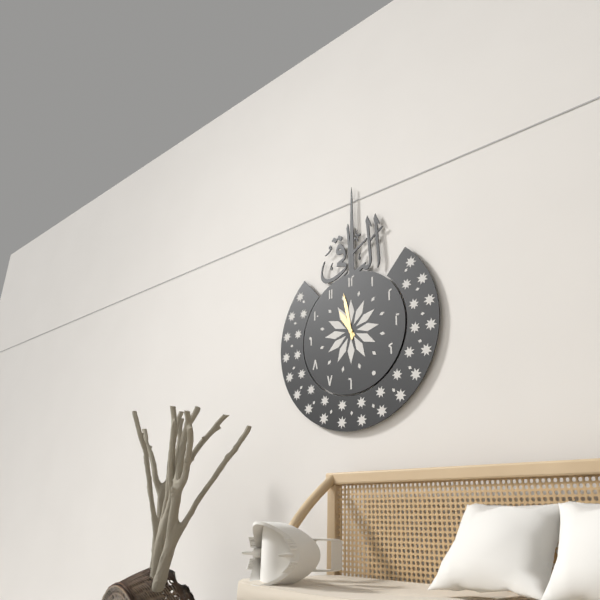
10:58
